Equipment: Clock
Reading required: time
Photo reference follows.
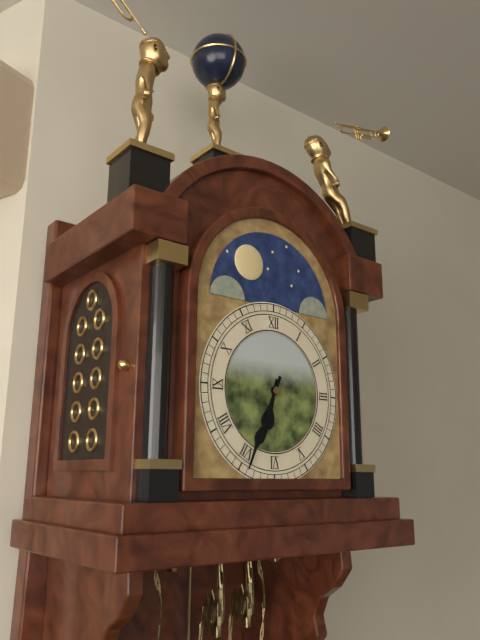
6:34
